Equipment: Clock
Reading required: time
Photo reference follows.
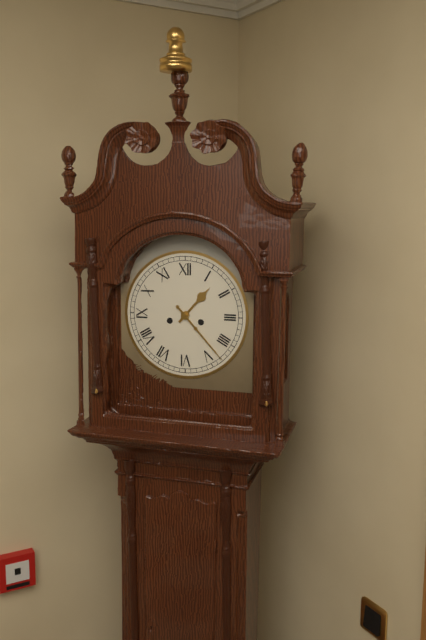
1:23
